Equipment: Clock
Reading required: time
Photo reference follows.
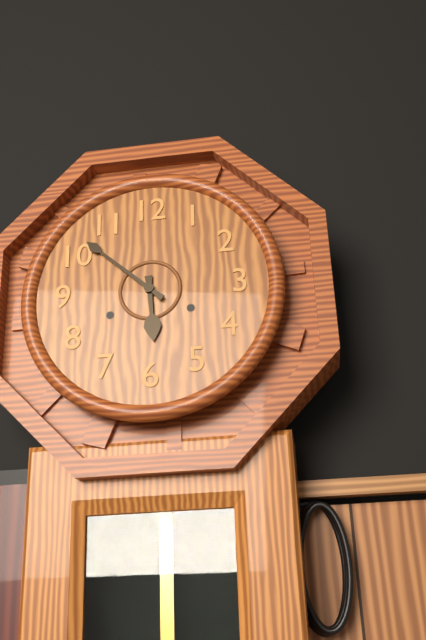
5:52
